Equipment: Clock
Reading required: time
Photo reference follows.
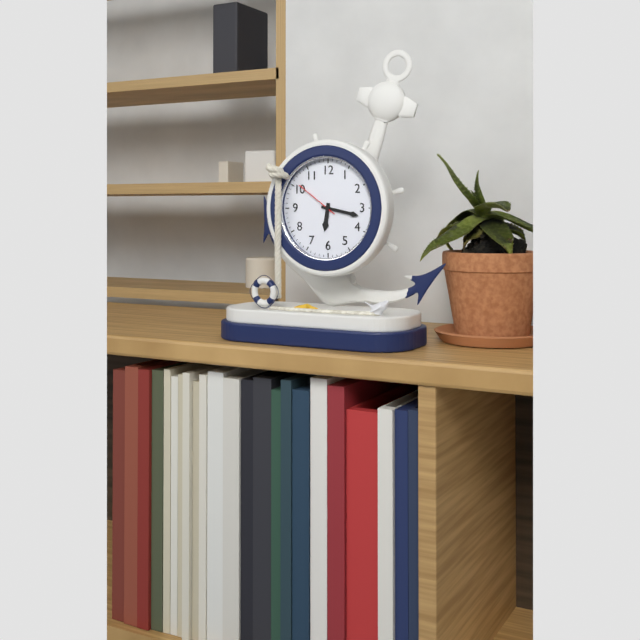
6:17
